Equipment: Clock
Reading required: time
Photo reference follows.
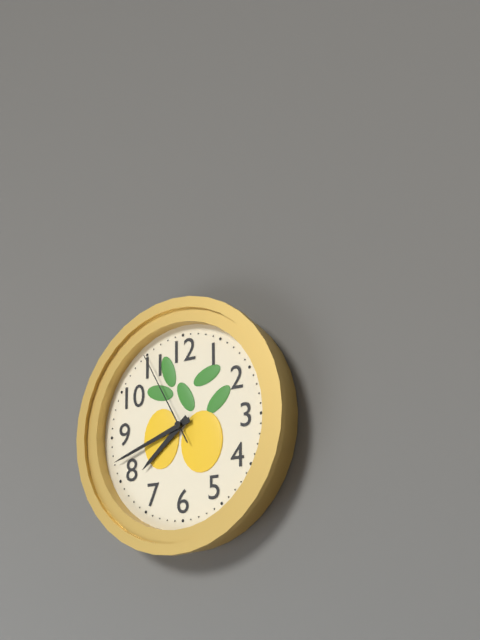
7:42:55
